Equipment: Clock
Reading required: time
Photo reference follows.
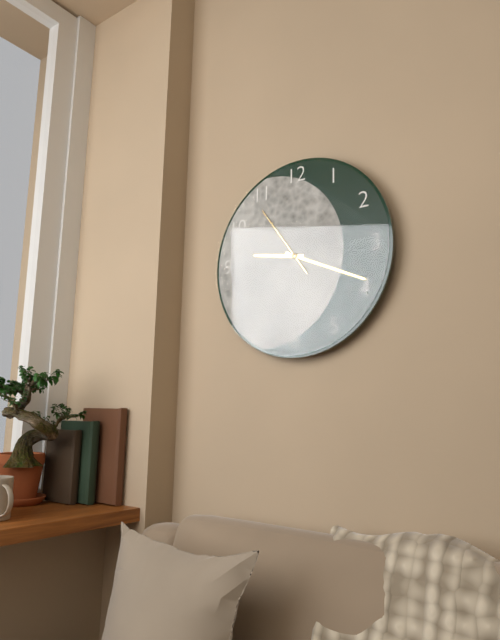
9:19:54
